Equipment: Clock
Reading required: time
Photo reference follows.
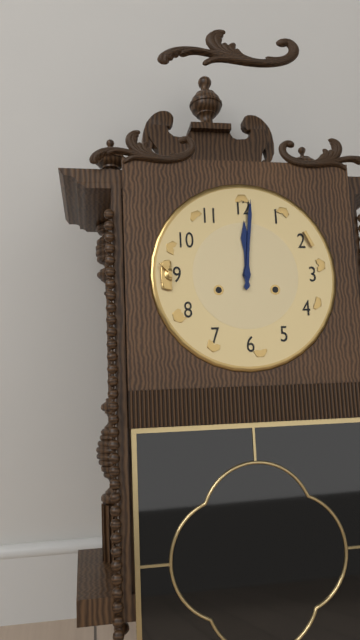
12:01
